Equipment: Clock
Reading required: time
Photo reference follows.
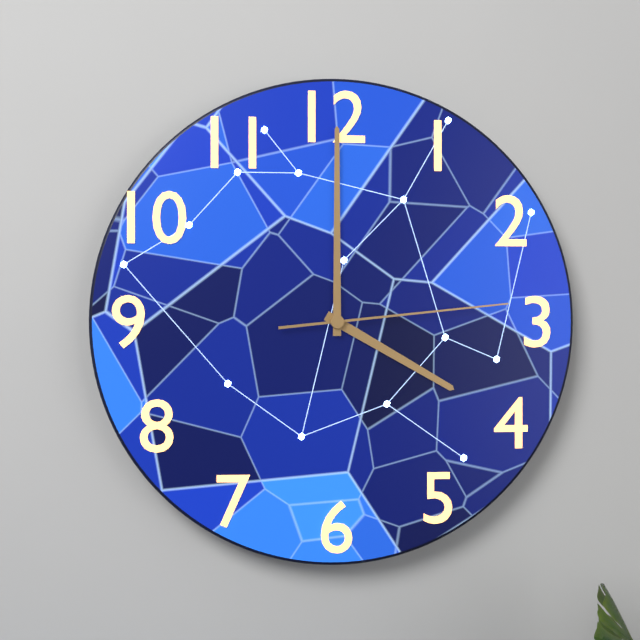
4:00:14
